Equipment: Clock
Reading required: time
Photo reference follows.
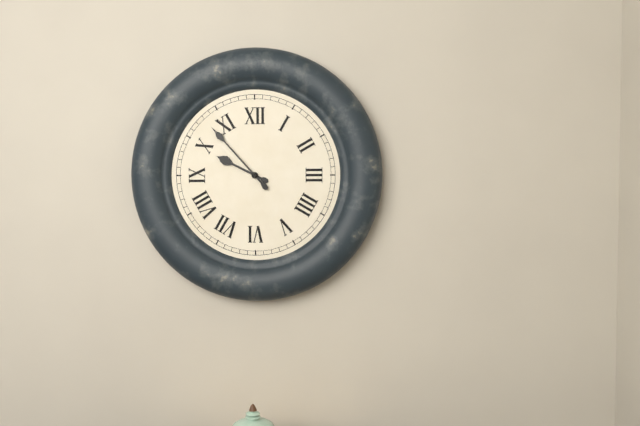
9:53
